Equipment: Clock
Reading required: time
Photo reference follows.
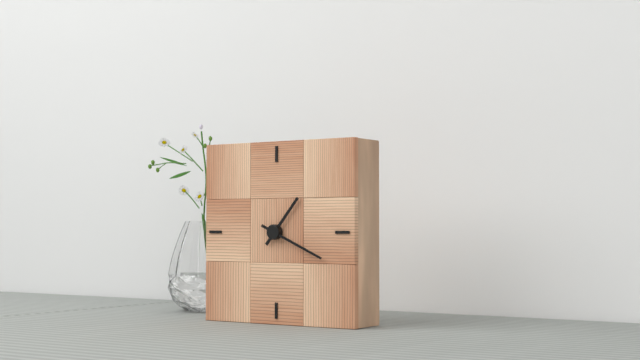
1:19
